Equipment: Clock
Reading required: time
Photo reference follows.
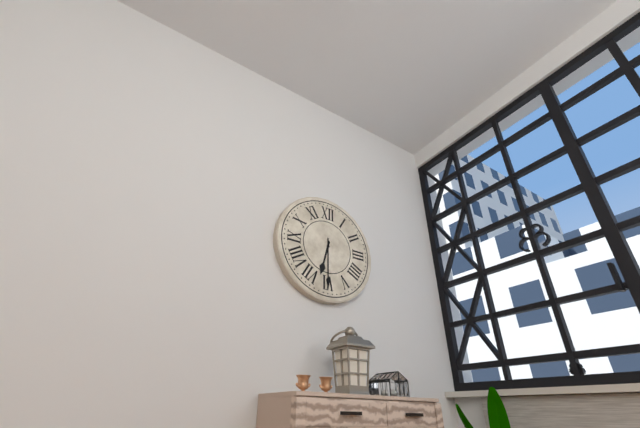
6:30
